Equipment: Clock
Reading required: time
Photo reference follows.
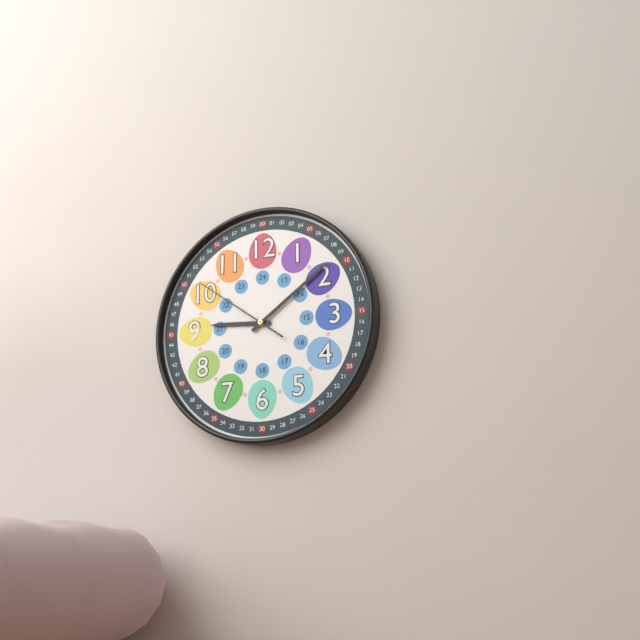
9:09:51
